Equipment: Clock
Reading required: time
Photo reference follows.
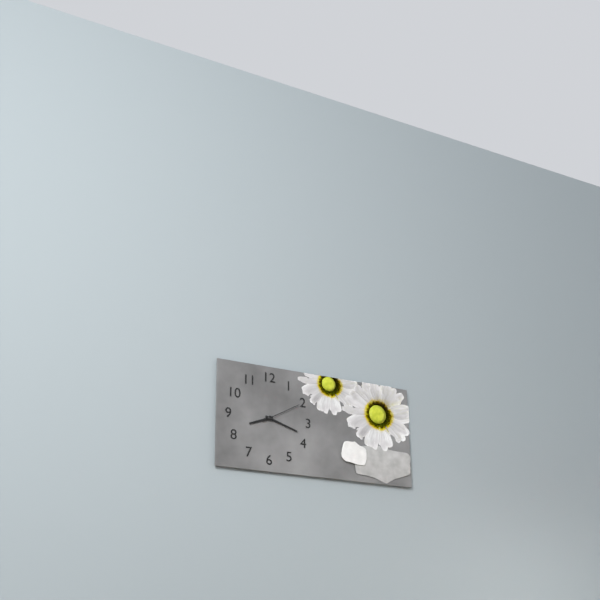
8:18
